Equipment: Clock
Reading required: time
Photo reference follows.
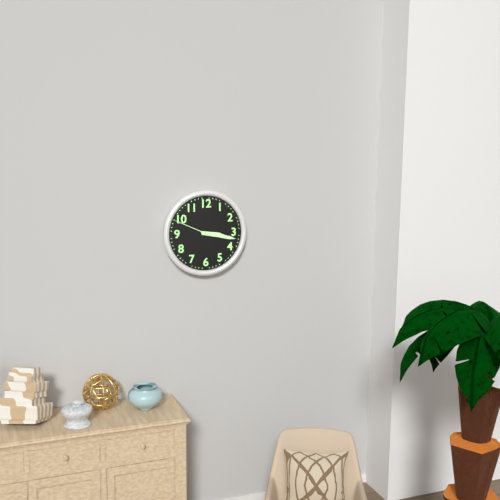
3:17
